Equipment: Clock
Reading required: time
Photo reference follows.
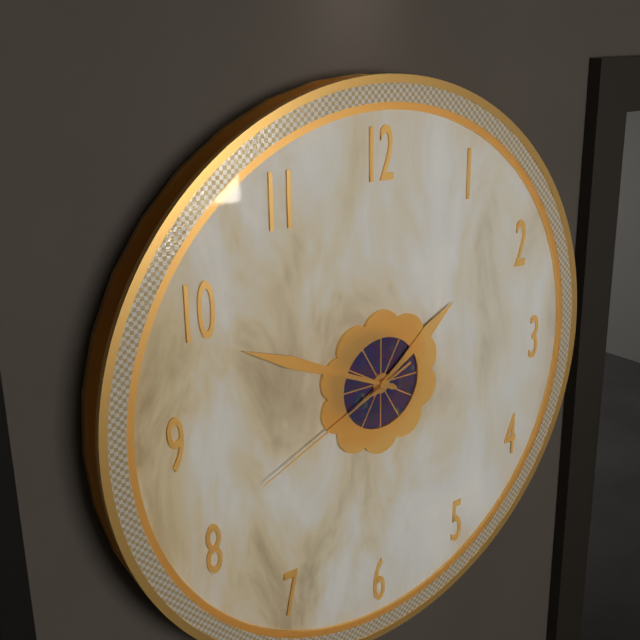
1:49:41
